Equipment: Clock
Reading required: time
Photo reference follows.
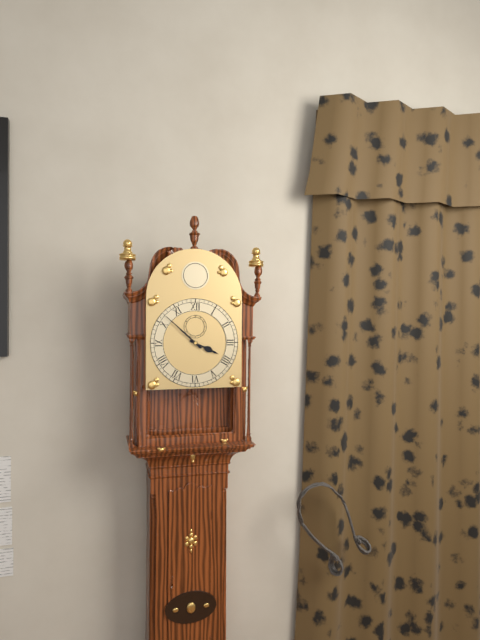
3:52
